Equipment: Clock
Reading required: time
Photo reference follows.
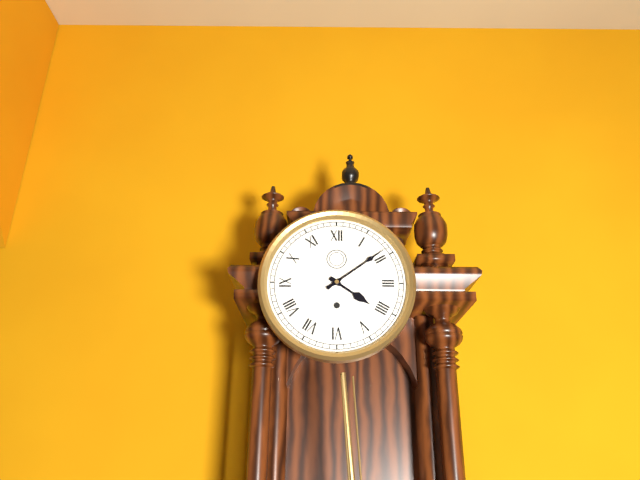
4:09
